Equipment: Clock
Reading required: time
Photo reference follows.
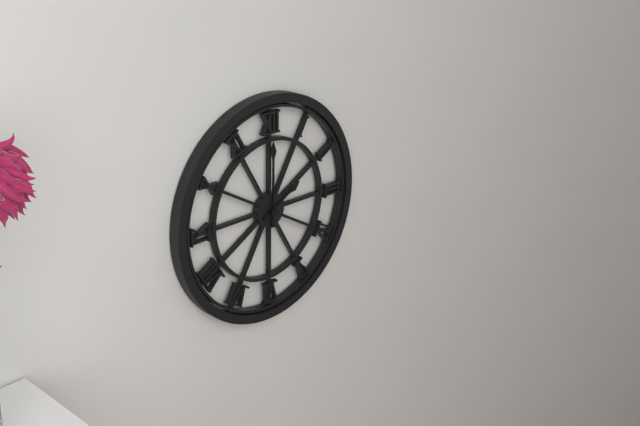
2:00
